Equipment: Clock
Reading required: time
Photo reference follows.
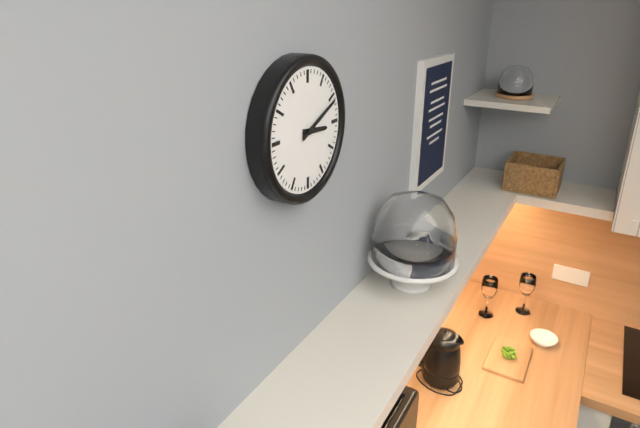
3:11
